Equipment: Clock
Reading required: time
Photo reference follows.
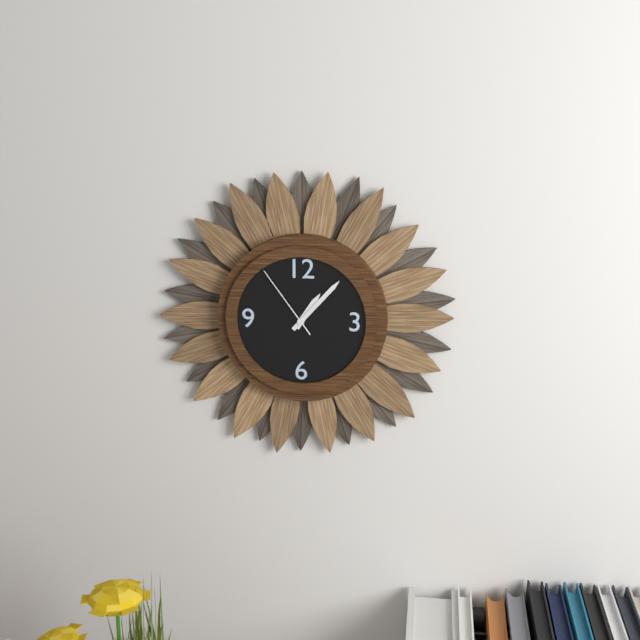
1:07:54
